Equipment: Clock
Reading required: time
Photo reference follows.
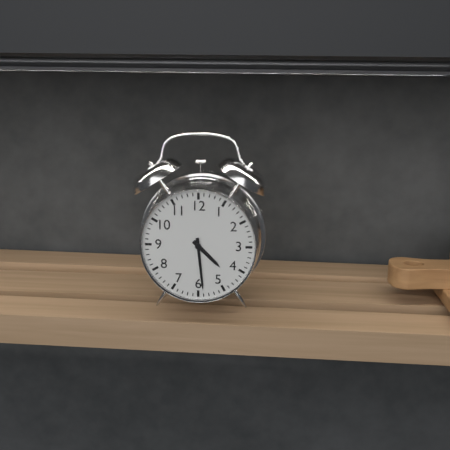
4:29
